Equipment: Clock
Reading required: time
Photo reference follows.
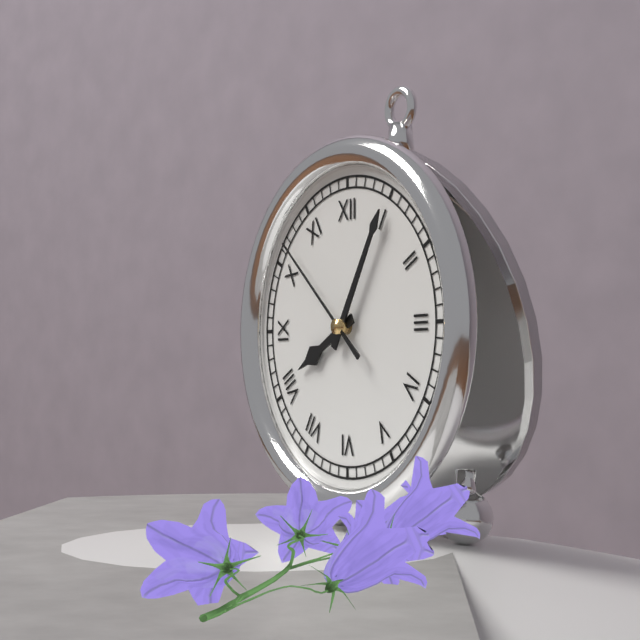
8:05:52
